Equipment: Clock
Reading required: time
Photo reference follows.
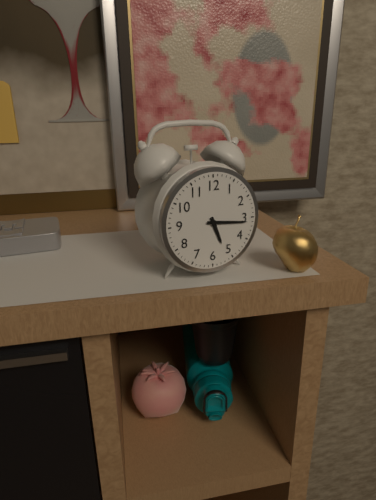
5:16
